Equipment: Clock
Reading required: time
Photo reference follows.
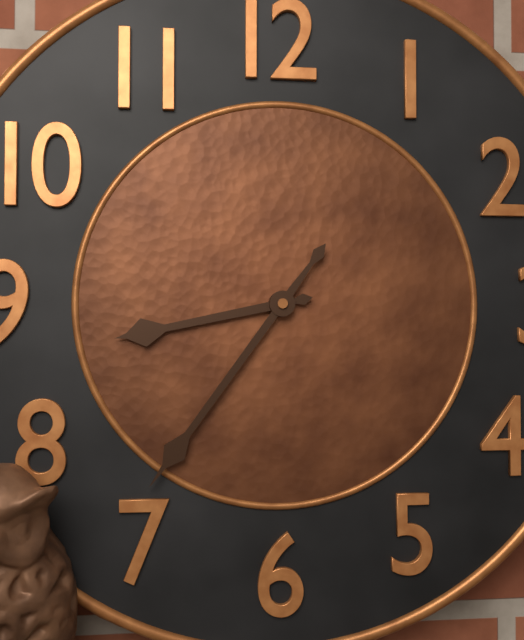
8:36
